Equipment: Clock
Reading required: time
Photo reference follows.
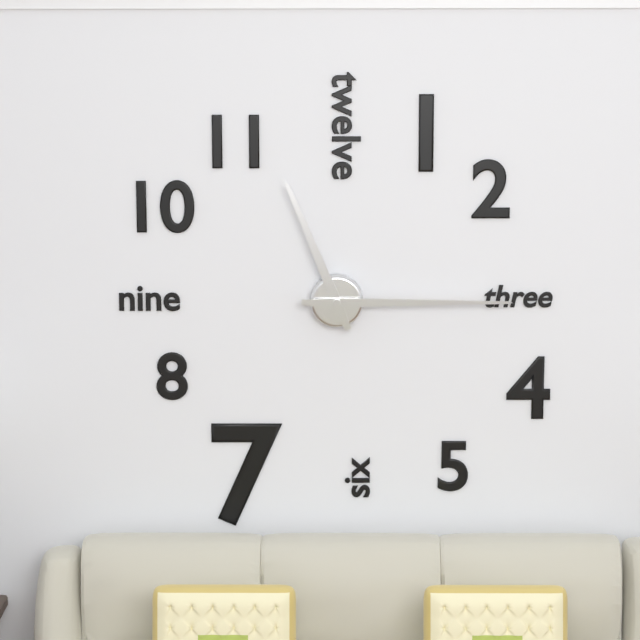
11:15
